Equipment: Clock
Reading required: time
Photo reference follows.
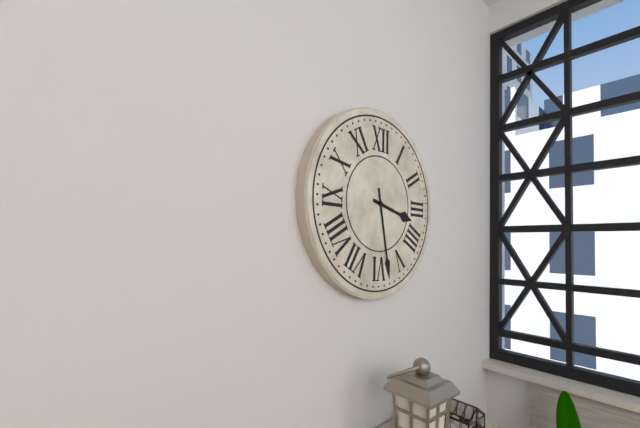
3:28
